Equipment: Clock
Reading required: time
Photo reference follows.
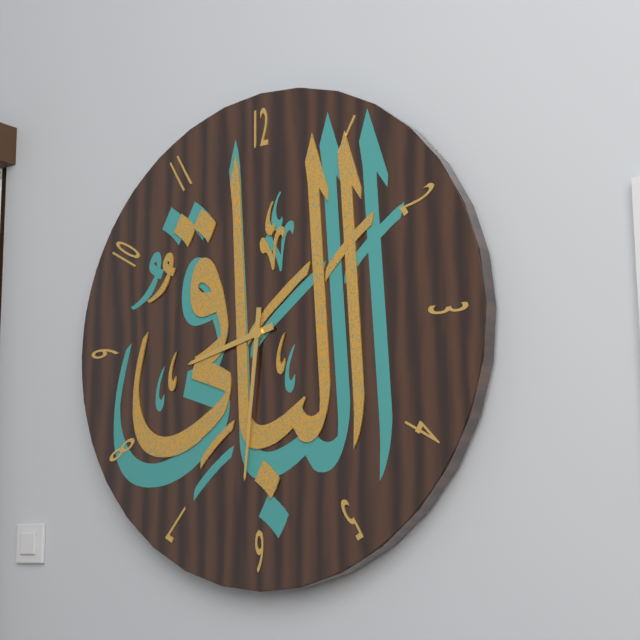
8:31
